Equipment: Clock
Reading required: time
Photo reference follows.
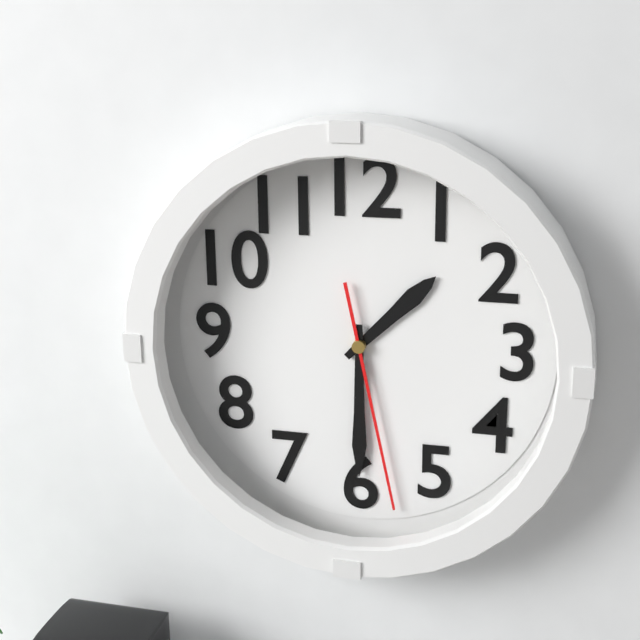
1:30:28
